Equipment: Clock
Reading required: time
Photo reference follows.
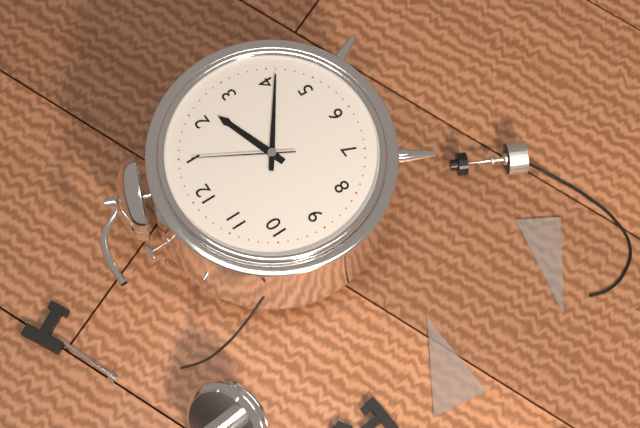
2:21:05
